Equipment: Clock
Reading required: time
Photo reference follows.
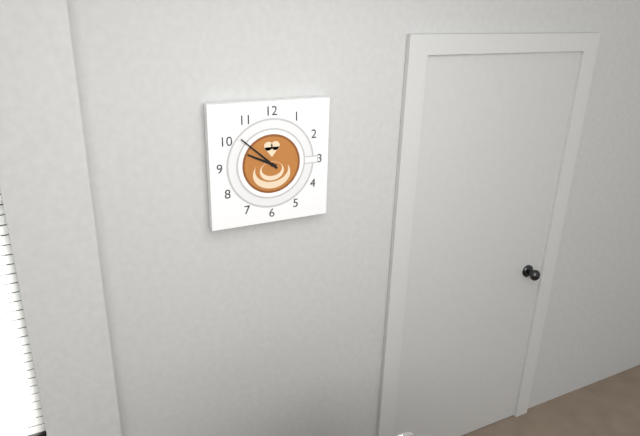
9:52
